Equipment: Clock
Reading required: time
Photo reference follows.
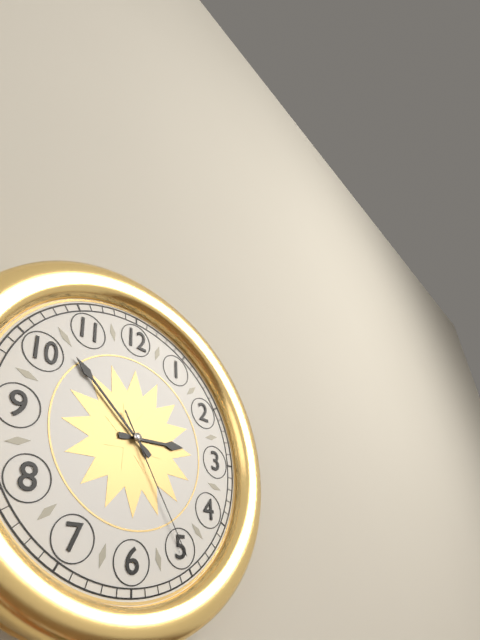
2:52:25
